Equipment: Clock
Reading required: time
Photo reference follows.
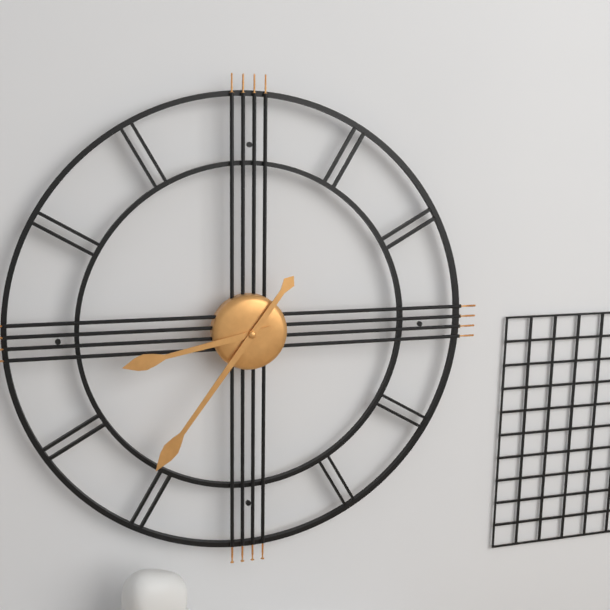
8:36
